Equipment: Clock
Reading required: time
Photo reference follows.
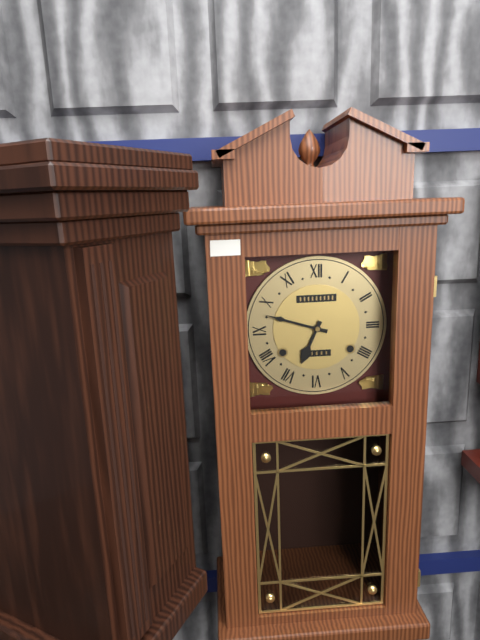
6:48
